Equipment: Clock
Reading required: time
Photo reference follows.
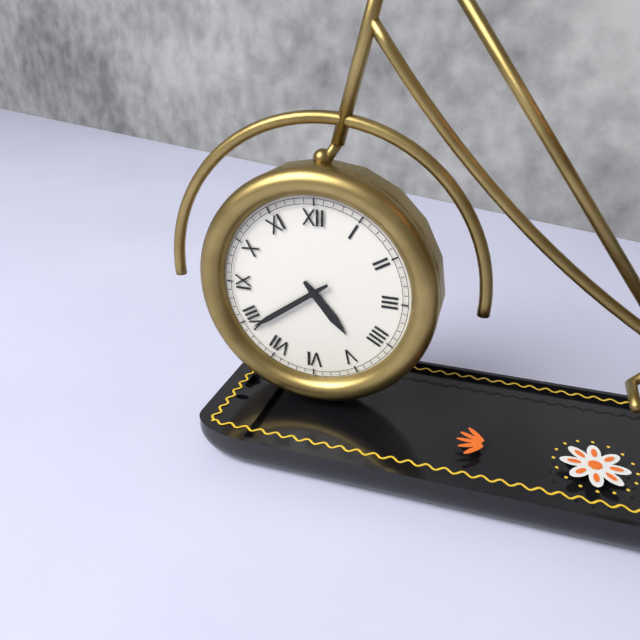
4:39
